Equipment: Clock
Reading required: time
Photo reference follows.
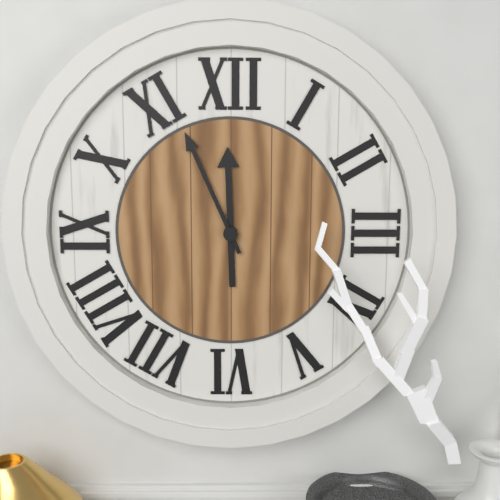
11:56
